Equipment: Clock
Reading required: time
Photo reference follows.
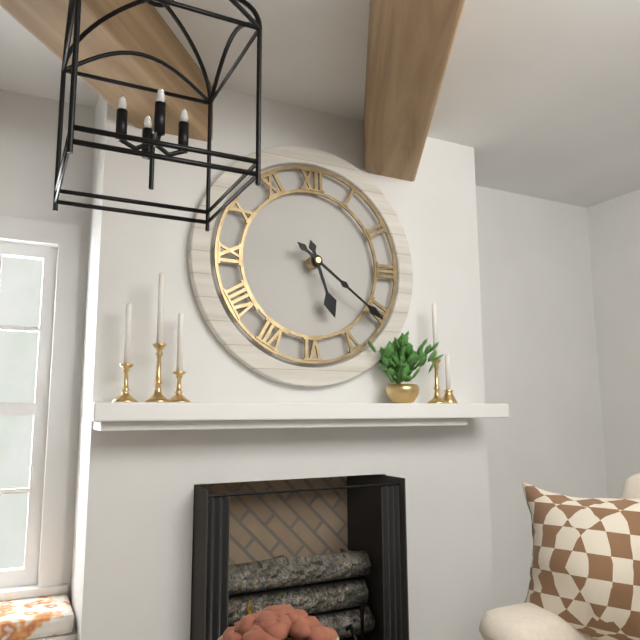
5:21
